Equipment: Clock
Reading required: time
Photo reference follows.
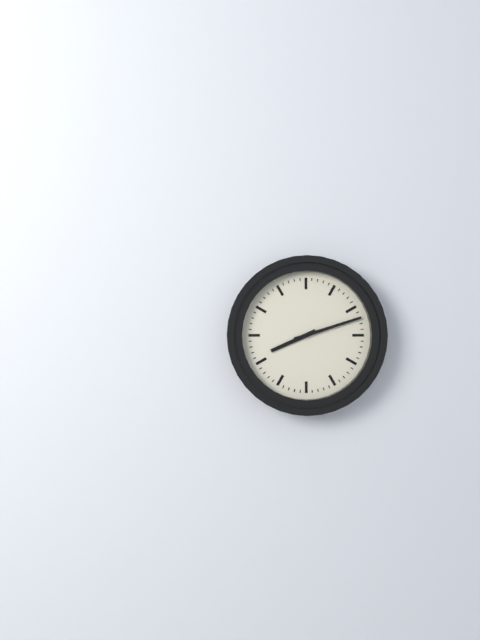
8:12
